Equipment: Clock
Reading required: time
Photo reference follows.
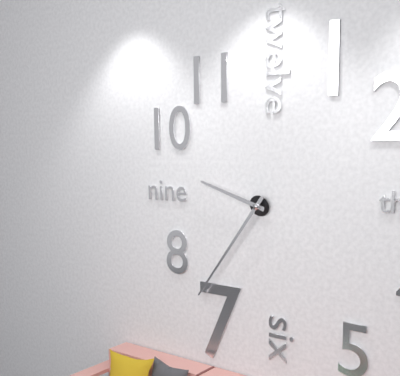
9:36
